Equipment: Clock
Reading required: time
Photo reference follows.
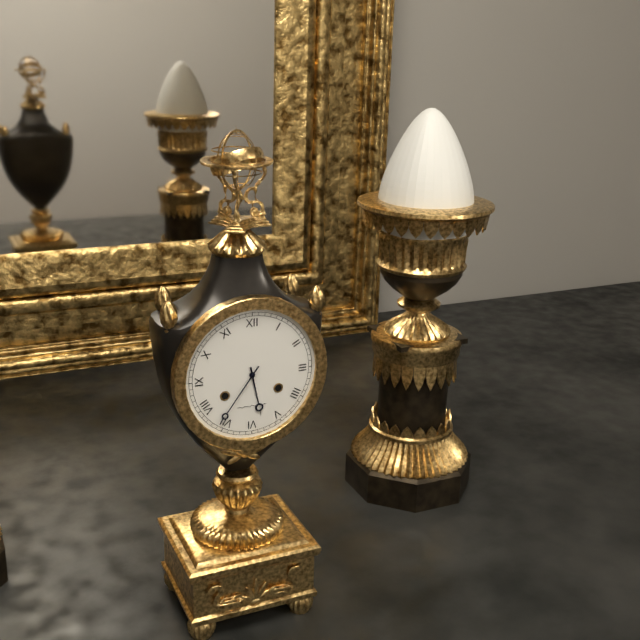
5:36
